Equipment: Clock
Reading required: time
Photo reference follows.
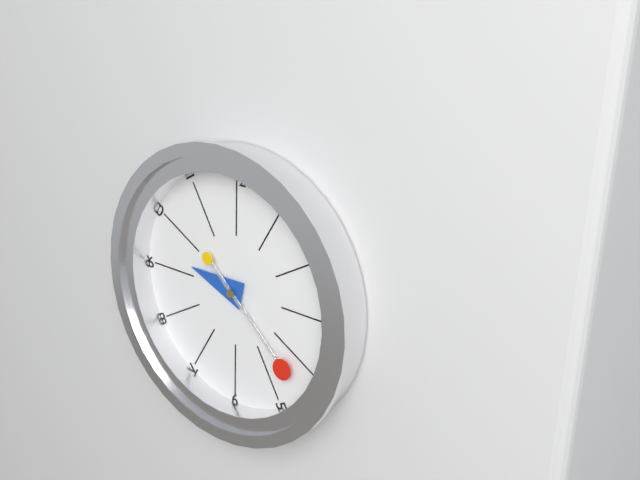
9:22
